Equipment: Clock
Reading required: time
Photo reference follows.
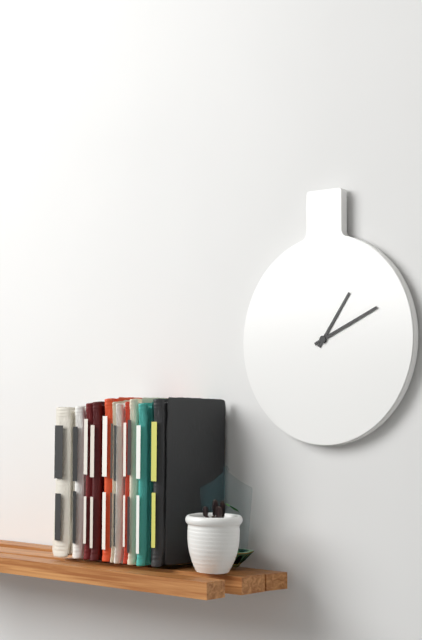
1:11
